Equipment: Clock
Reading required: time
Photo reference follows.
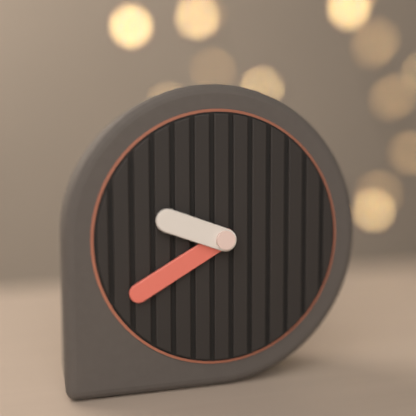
9:40
